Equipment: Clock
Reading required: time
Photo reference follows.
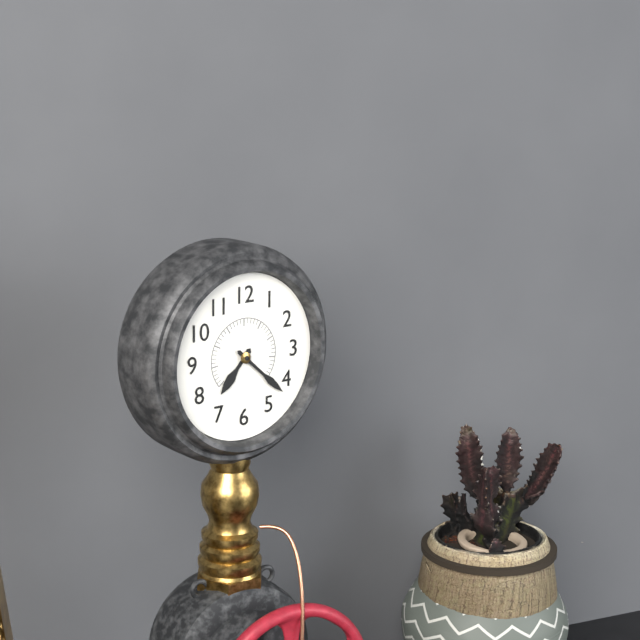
7:22
